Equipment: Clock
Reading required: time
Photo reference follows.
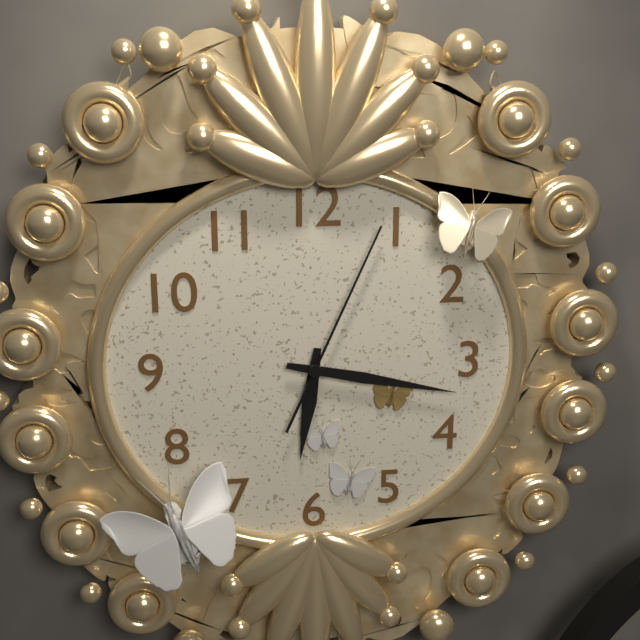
6:17:04
